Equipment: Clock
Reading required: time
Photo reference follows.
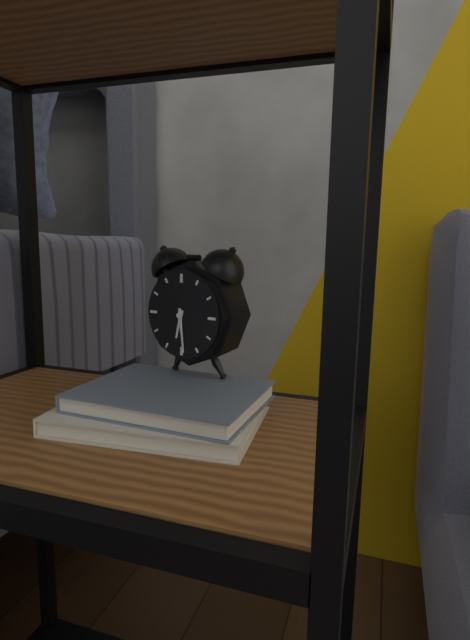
6:29
